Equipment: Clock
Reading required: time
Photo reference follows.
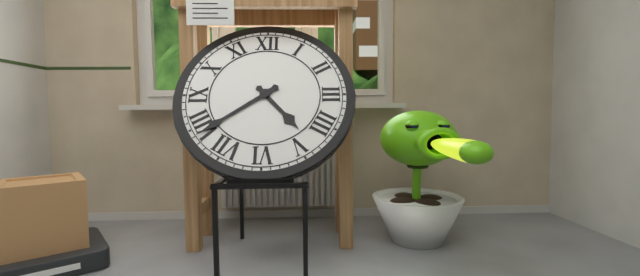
4:39
